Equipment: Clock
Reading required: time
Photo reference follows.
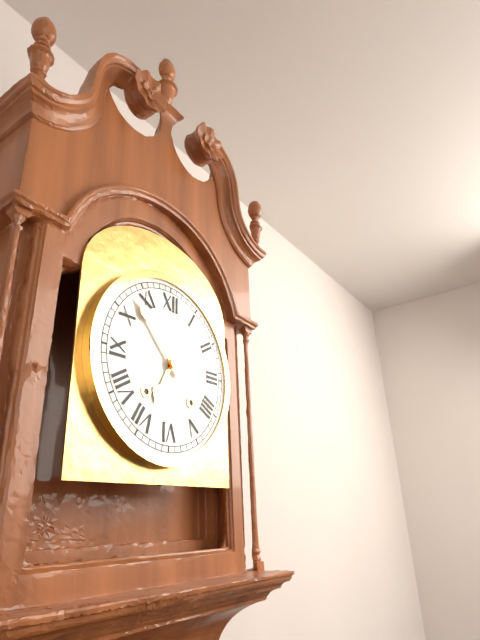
6:53
